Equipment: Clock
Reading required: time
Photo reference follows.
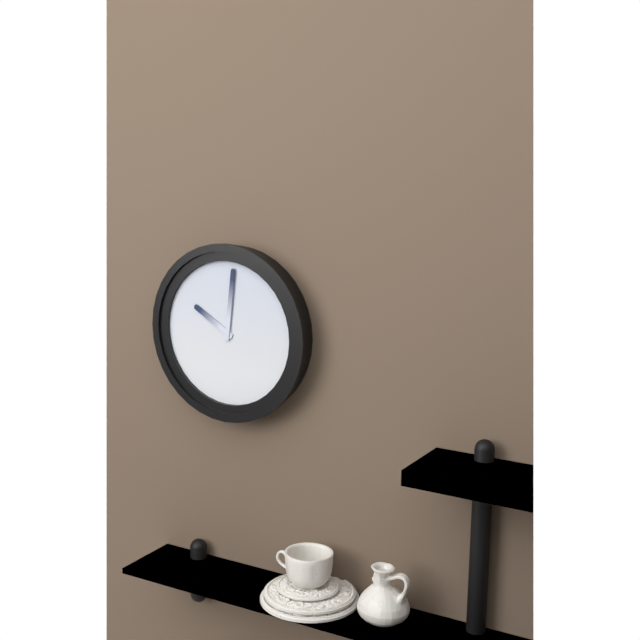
10:01
